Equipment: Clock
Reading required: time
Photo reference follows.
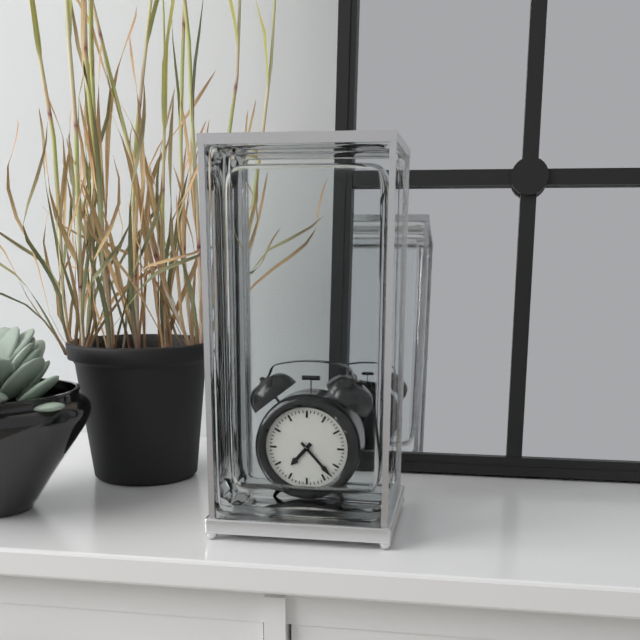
7:23
